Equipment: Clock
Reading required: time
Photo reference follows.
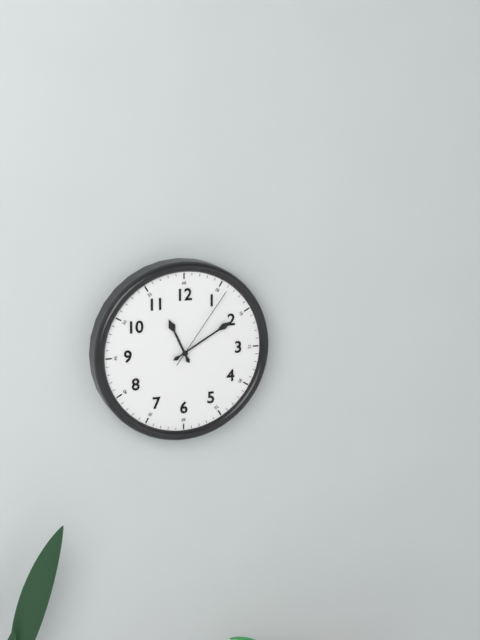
11:10:06
